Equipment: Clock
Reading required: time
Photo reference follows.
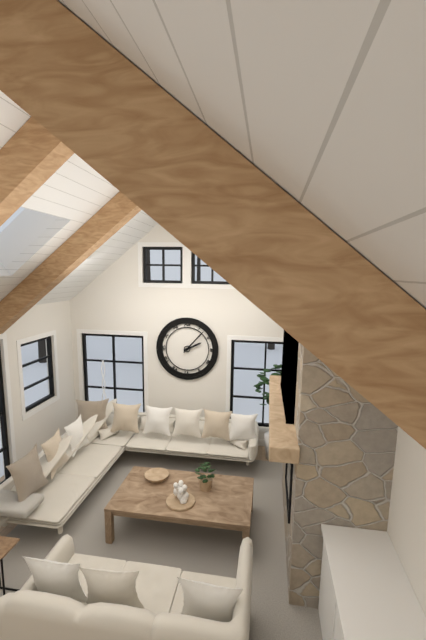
2:07
